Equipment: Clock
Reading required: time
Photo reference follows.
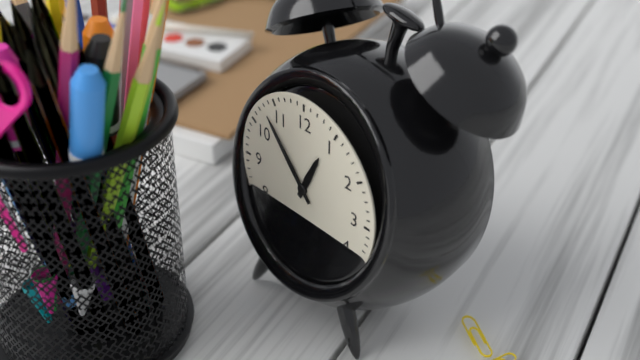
12:53
